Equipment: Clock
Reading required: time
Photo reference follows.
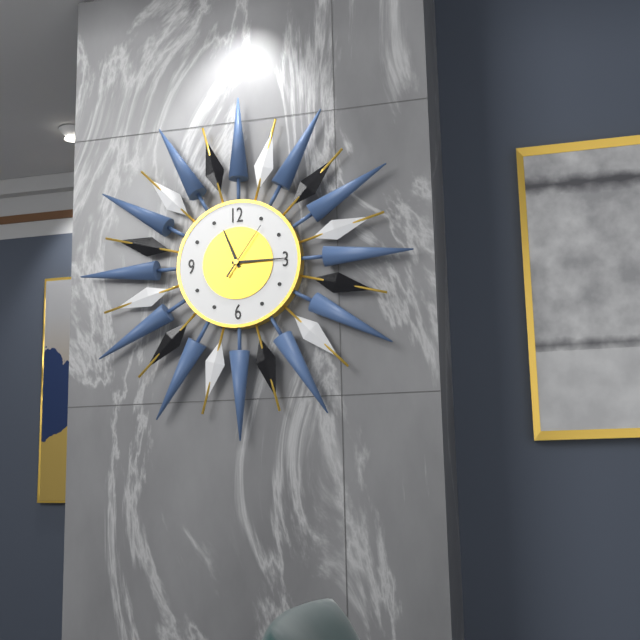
11:15:06
